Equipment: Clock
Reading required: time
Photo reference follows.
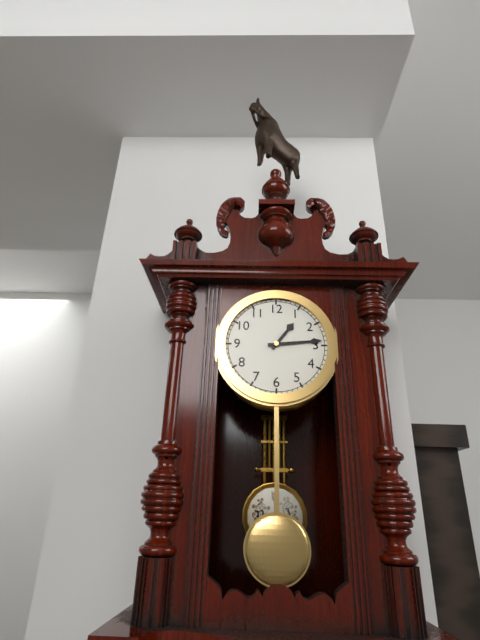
1:14
